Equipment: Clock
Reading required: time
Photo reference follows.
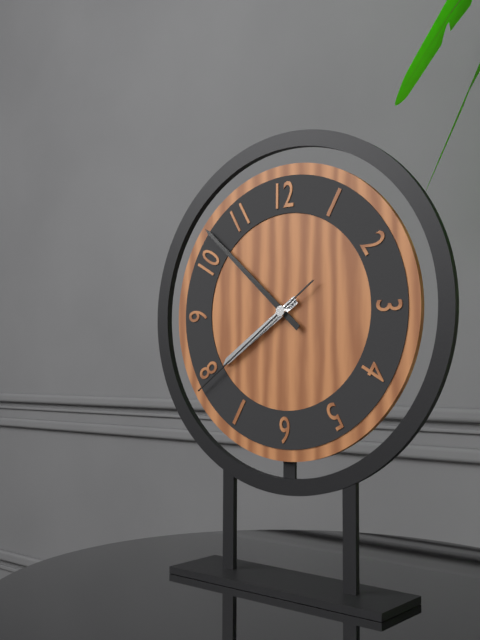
7:52:39
